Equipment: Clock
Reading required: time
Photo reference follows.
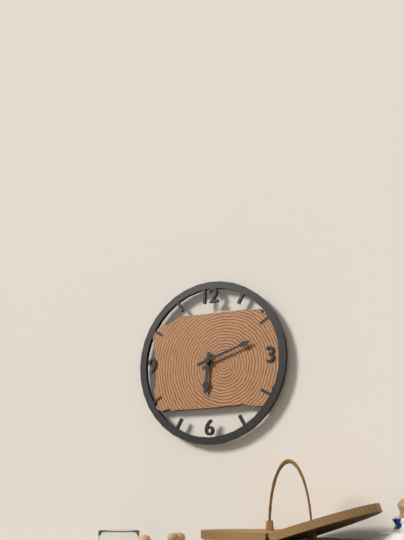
6:12
